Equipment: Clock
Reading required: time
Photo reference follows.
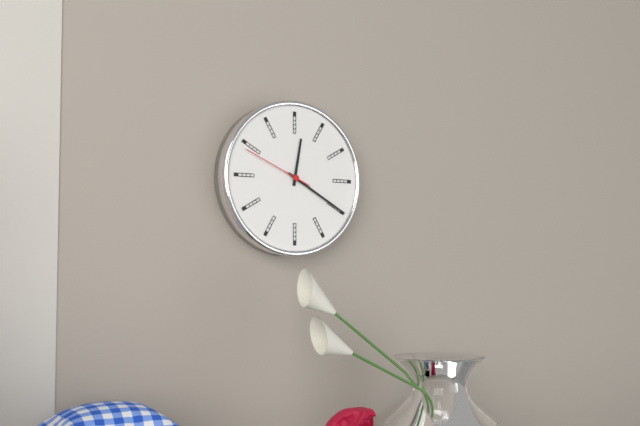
12:20:49
